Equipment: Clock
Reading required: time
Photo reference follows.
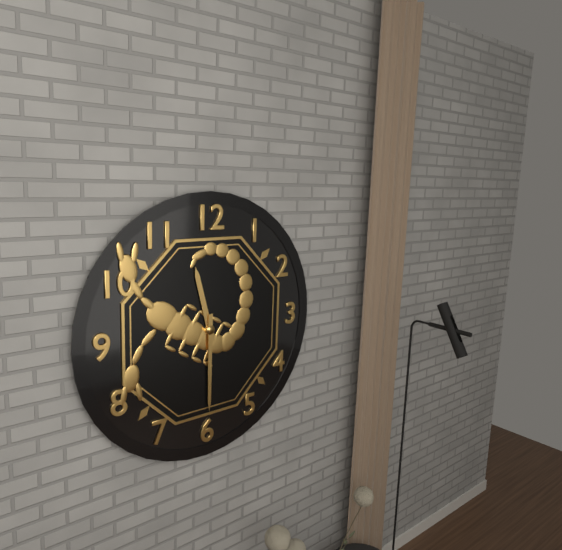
11:30
